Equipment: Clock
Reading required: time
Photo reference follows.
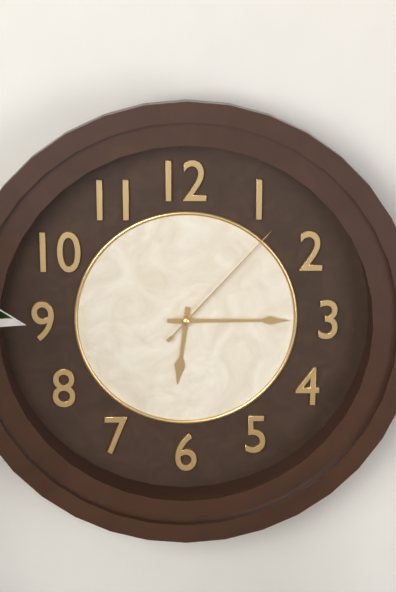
6:15:07
